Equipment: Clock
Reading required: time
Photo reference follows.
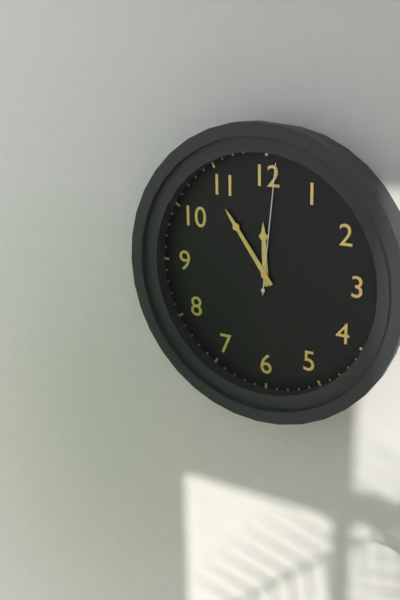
11:54:01
